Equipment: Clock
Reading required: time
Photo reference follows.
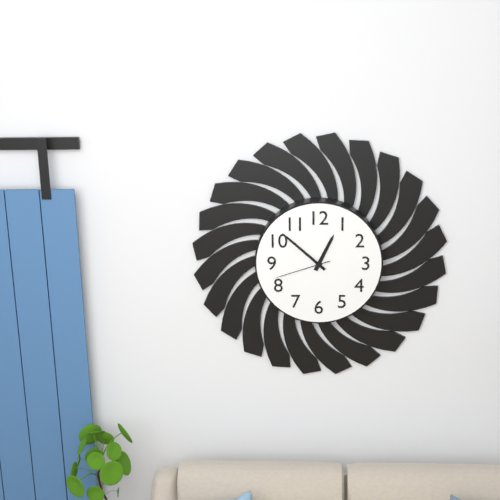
12:52:42
